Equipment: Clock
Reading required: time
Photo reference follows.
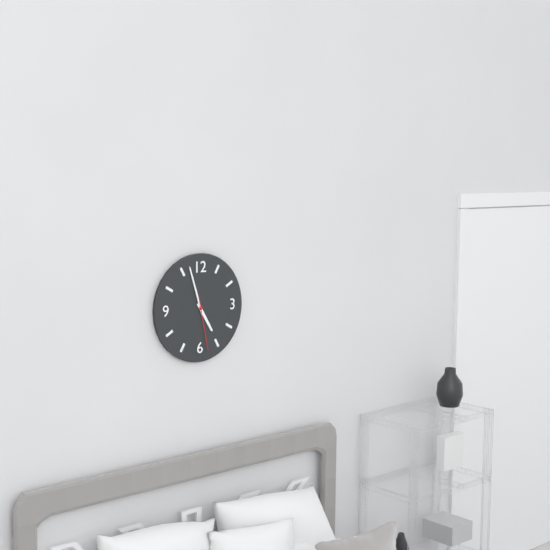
4:57:28
